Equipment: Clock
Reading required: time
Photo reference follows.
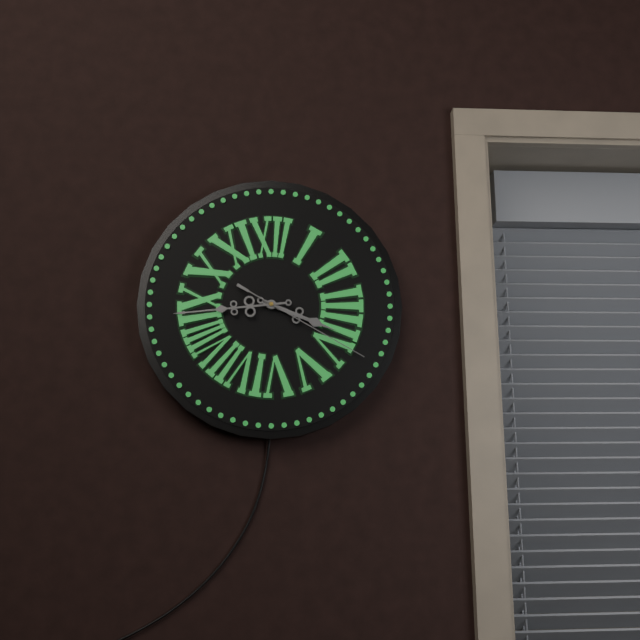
3:44:20
